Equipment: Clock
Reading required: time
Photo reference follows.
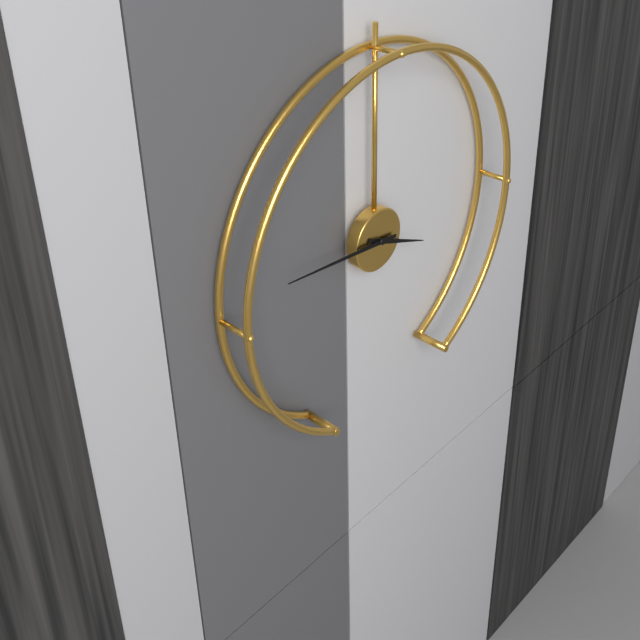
3:46
